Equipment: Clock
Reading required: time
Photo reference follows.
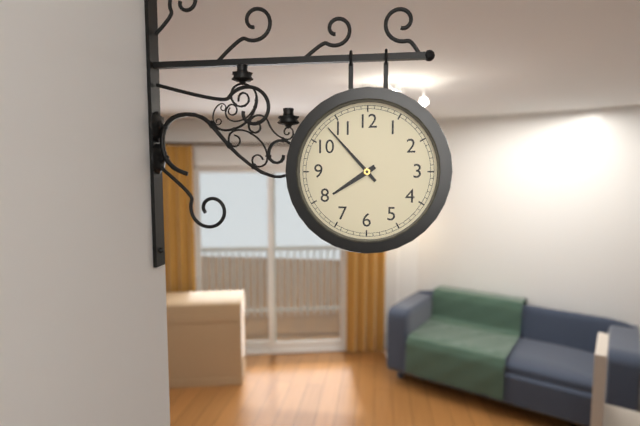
7:53
